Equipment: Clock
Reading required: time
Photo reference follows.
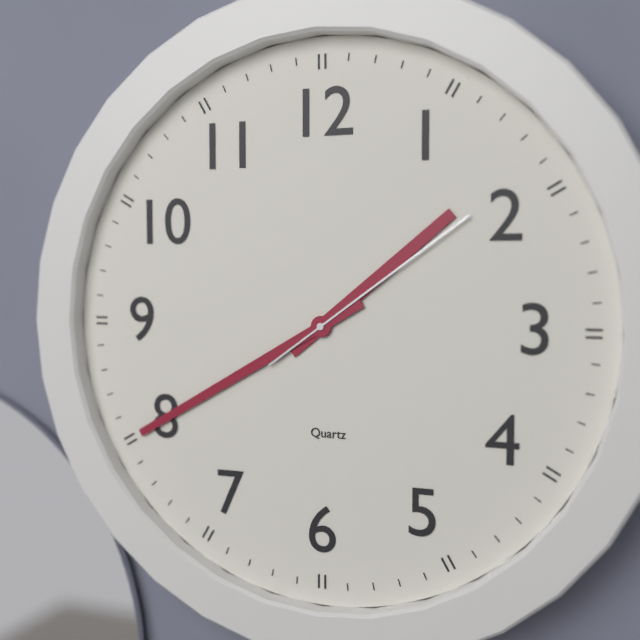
1:40:09
